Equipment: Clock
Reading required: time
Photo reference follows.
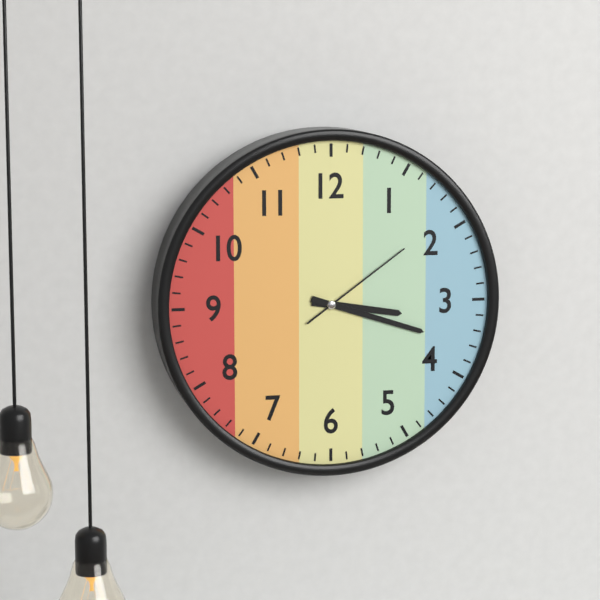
3:18:09
